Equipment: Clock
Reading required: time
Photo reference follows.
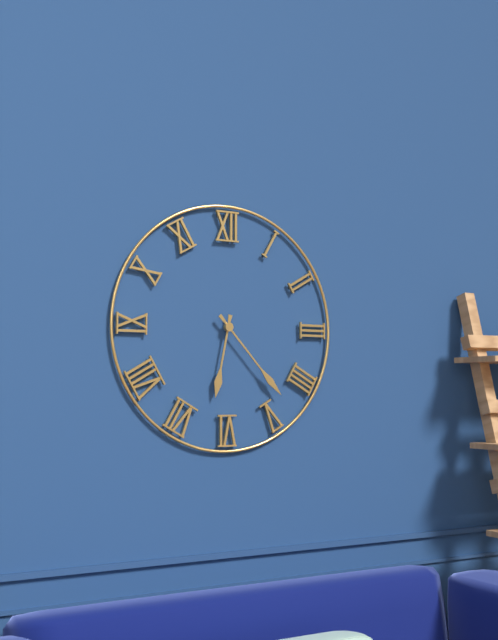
6:23
